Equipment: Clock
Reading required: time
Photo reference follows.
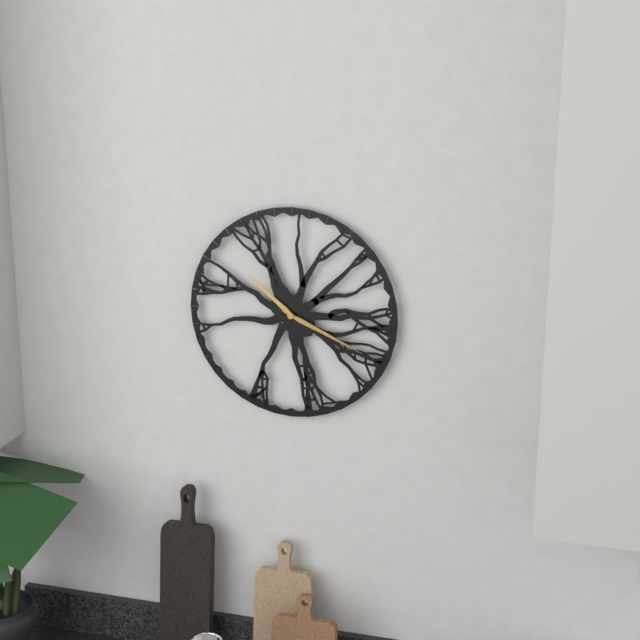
10:19
